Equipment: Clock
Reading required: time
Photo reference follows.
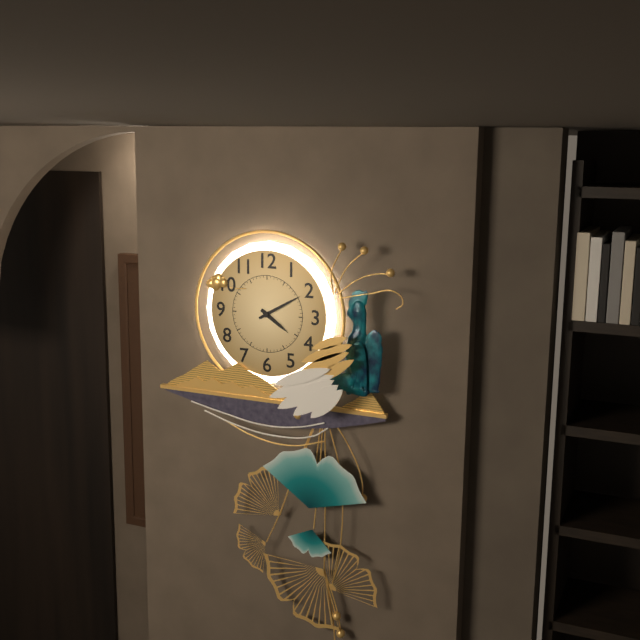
4:10
